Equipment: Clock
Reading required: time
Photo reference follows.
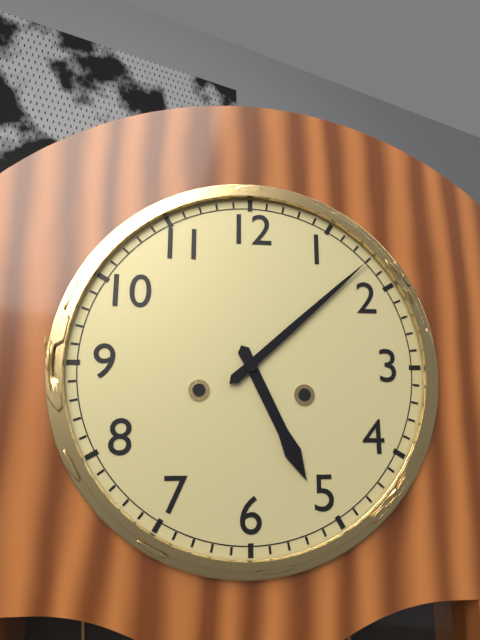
5:08
